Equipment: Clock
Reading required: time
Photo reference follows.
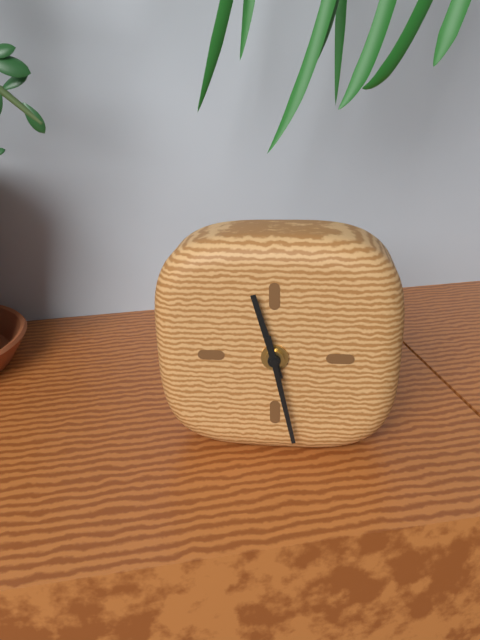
11:28
